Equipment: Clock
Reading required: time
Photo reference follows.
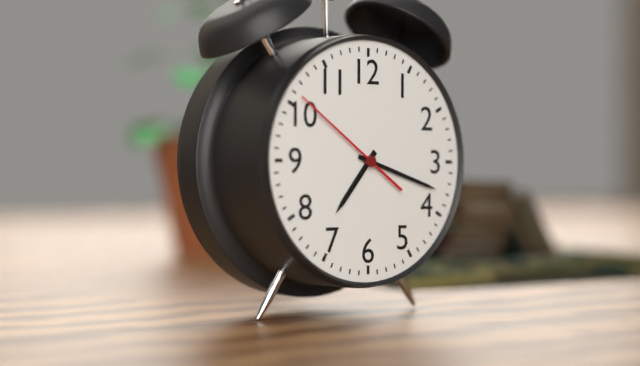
7:18:51
